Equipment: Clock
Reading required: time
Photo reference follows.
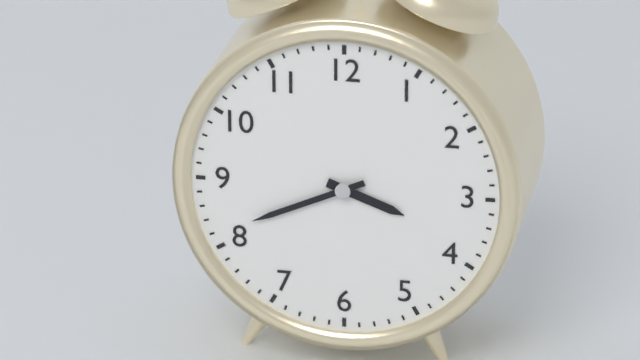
3:41
